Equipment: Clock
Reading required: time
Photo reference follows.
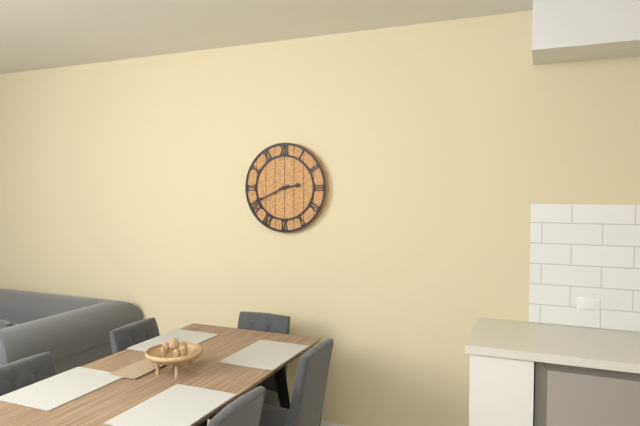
2:41
